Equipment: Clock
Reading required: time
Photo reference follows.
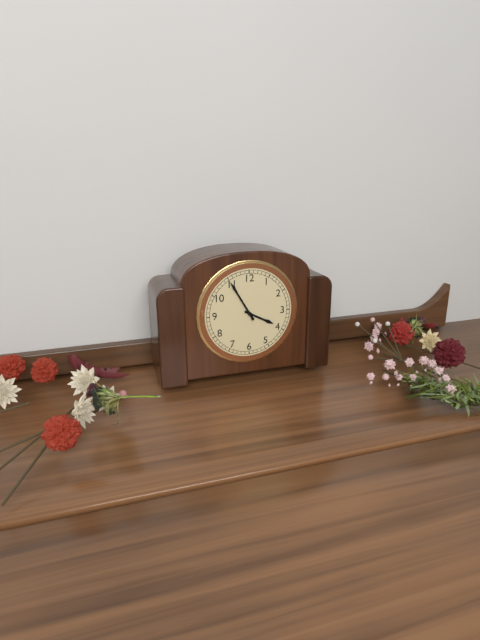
3:55
